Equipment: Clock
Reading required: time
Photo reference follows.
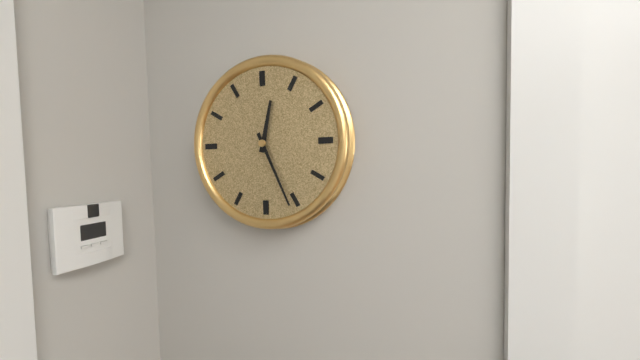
12:26
